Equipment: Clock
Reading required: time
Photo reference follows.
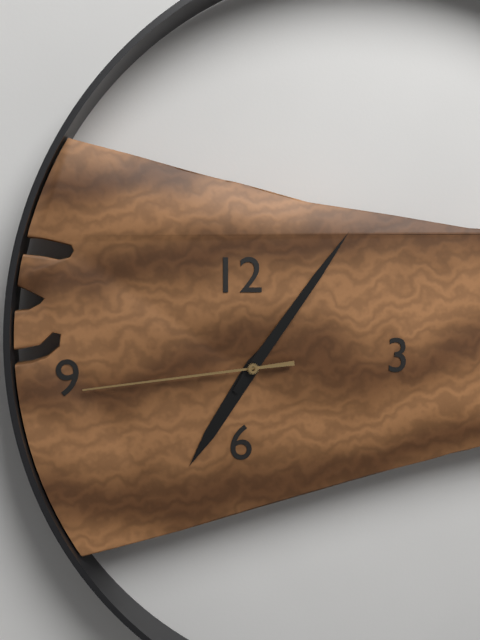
7:06:44
